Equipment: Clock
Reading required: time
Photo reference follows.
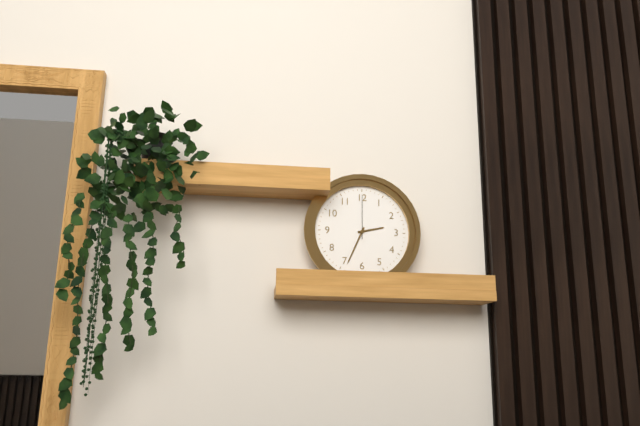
2:34
